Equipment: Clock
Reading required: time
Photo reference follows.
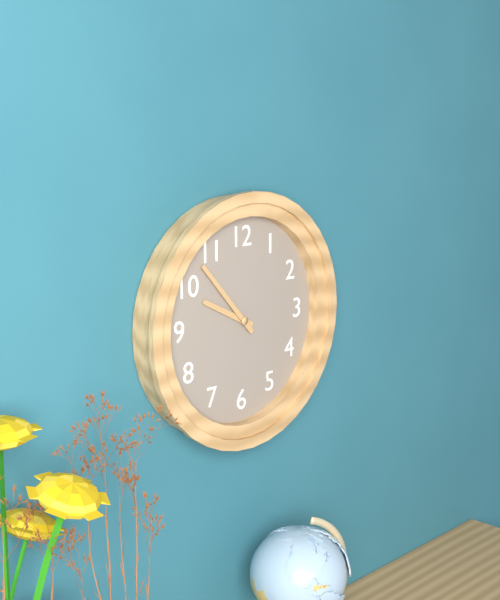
9:53
